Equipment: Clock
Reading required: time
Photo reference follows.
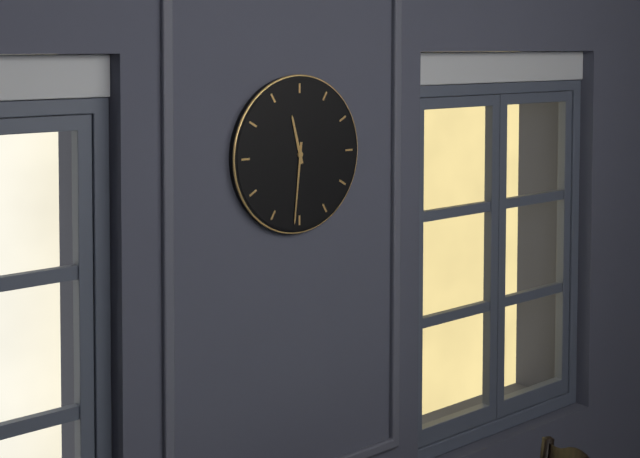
11:31
